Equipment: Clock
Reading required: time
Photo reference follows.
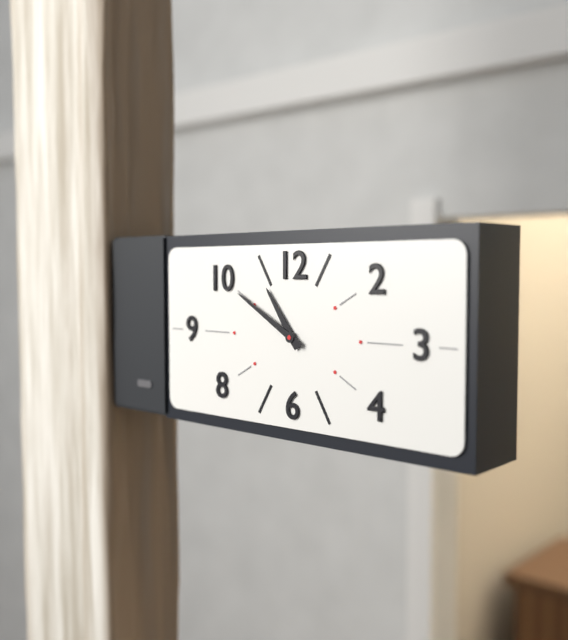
10:50
